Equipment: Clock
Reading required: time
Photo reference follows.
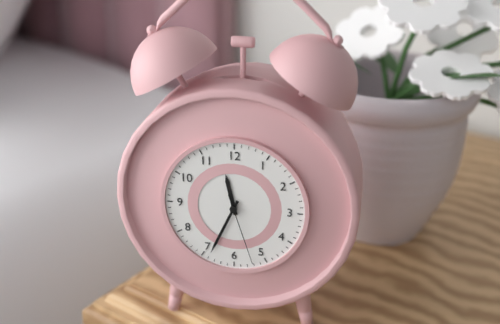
11:34:27
